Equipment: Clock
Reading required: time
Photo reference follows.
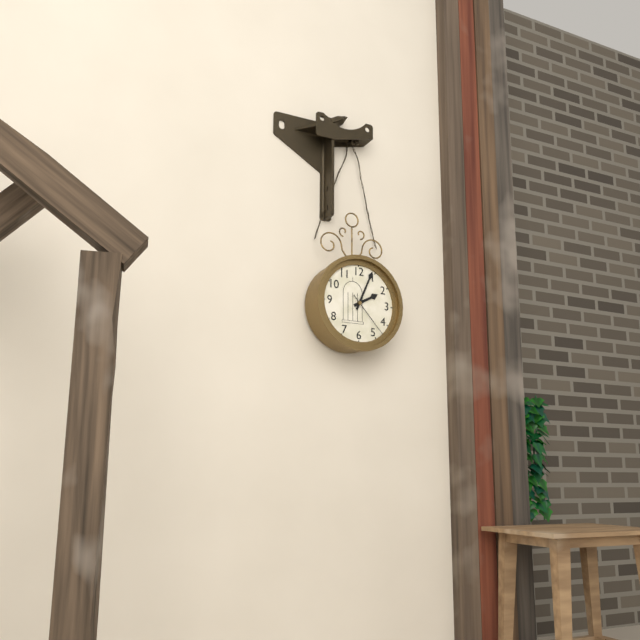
2:04:23
